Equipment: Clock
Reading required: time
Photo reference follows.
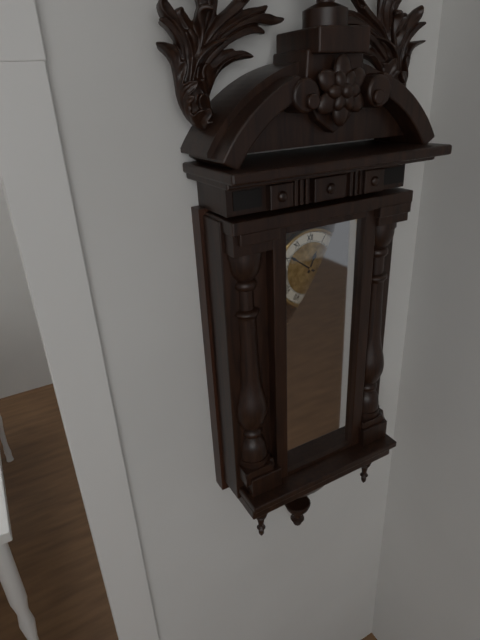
12:51
